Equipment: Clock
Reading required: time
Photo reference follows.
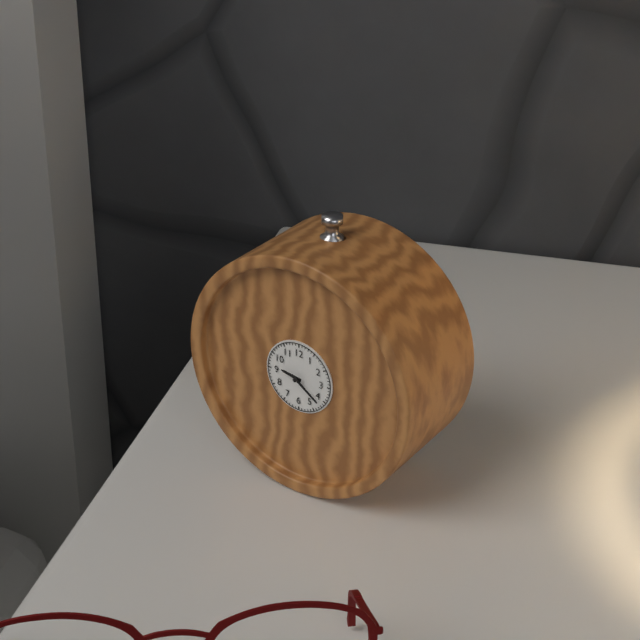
9:21
